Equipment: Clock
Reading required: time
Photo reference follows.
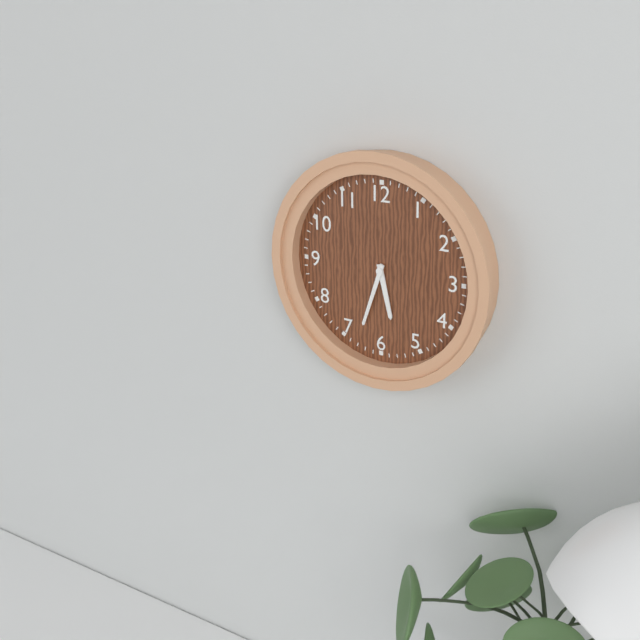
5:33
